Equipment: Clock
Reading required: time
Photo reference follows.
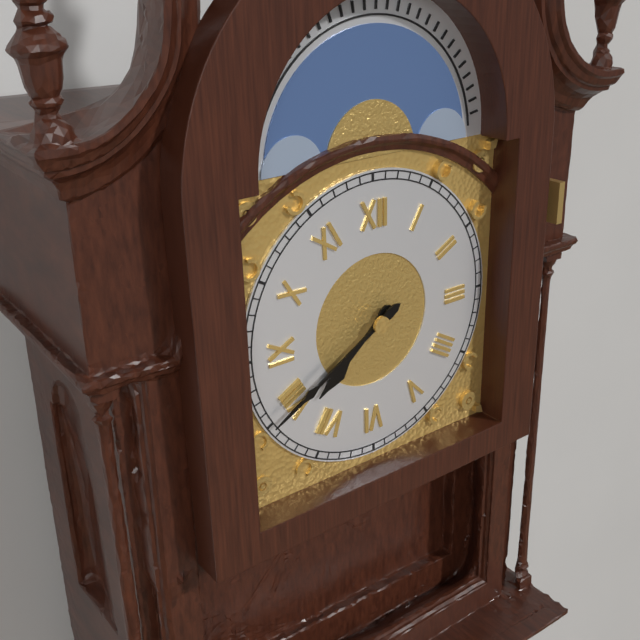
7:40
